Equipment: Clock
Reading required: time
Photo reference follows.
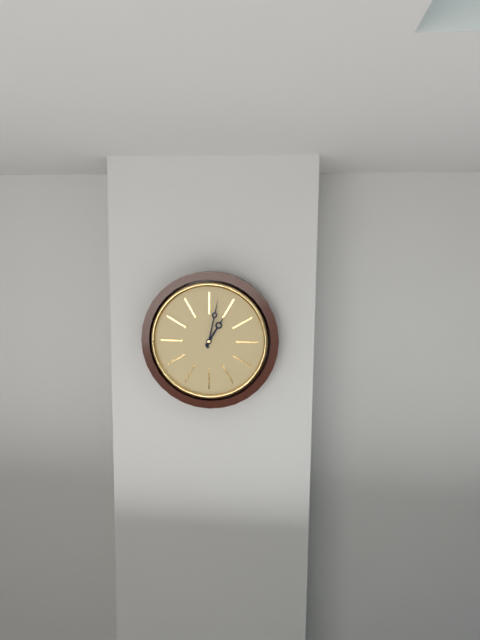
1:02
